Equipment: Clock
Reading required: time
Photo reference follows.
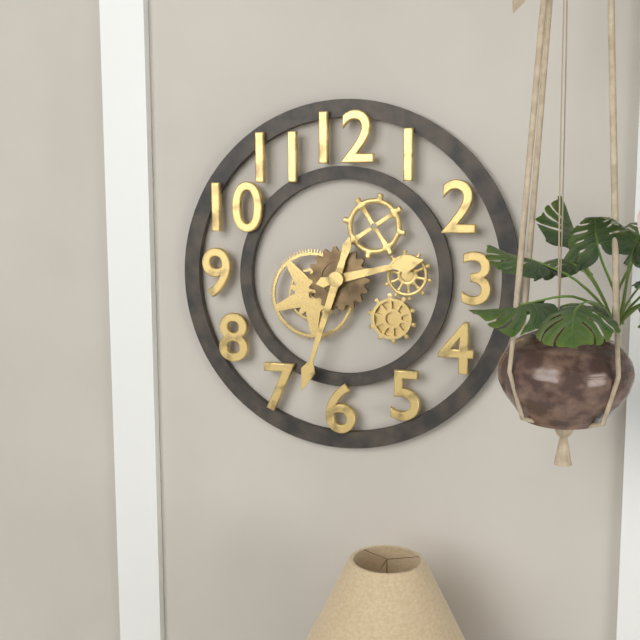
2:33
